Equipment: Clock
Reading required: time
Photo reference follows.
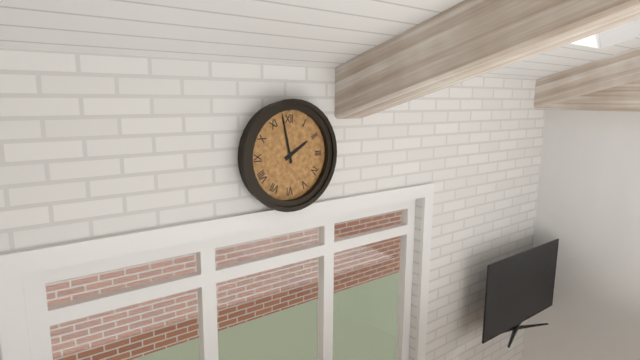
1:58
